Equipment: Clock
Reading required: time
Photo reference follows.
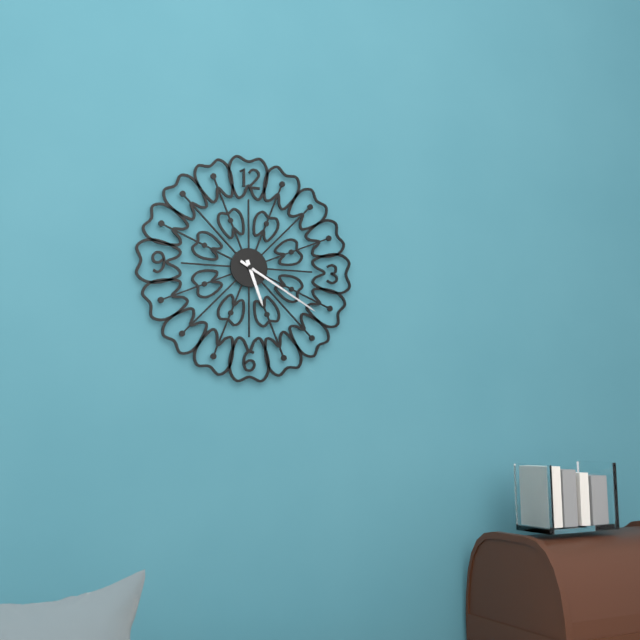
5:20
